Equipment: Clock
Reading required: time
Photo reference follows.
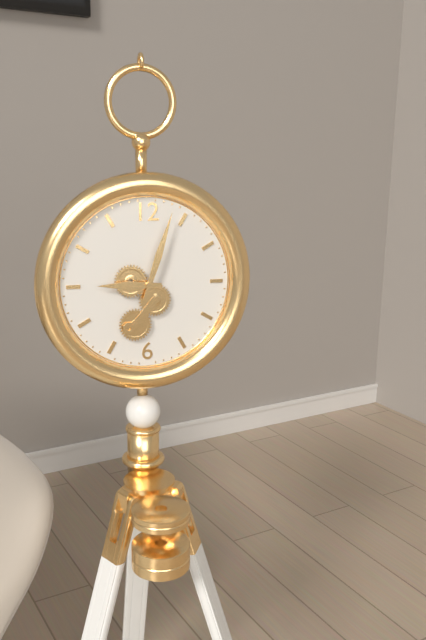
9:03
